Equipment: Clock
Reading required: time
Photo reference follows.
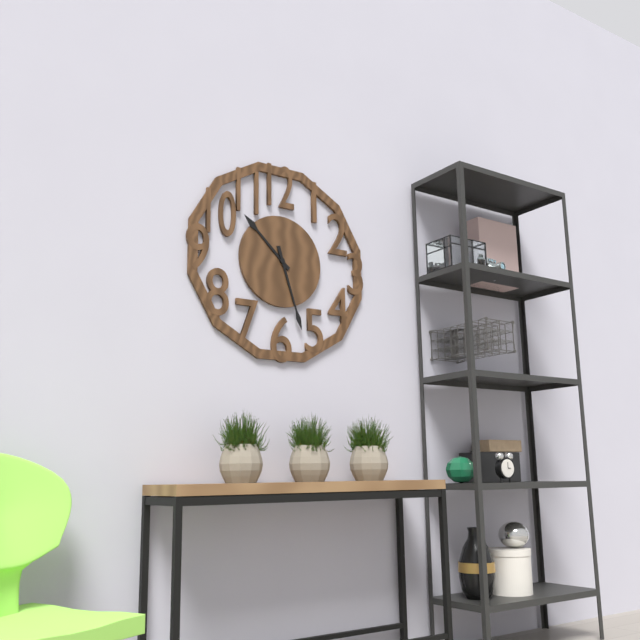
10:27
